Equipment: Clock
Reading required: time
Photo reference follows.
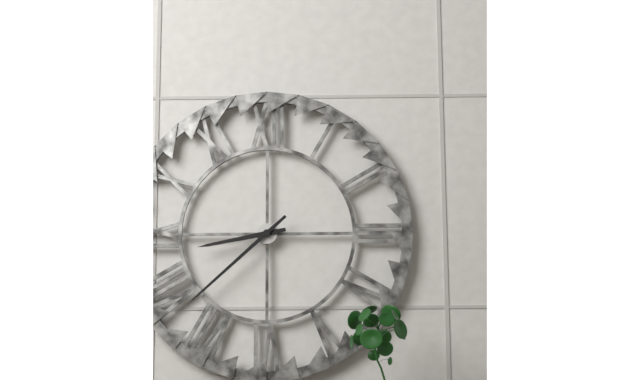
8:38
